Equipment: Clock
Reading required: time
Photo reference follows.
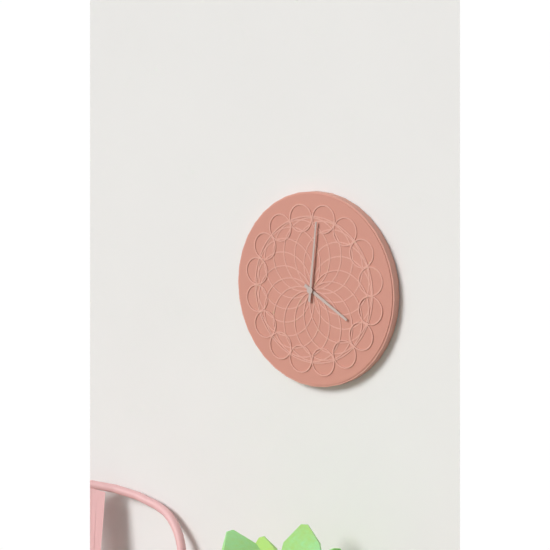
4:01
